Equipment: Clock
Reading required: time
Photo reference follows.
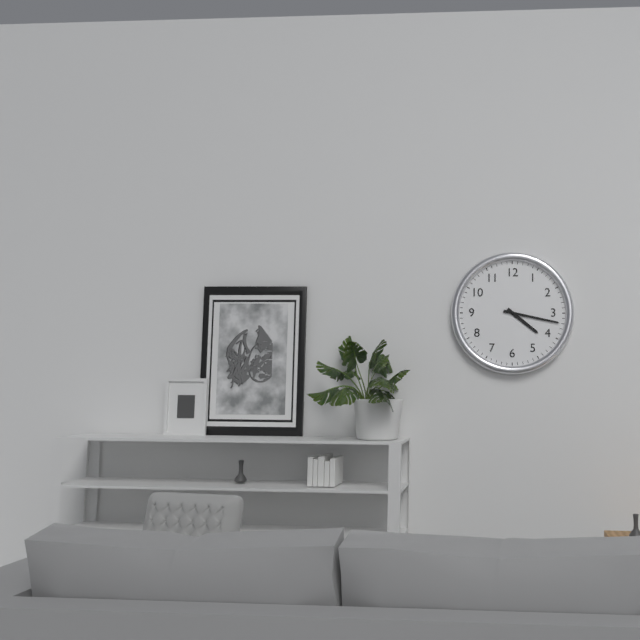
4:17
